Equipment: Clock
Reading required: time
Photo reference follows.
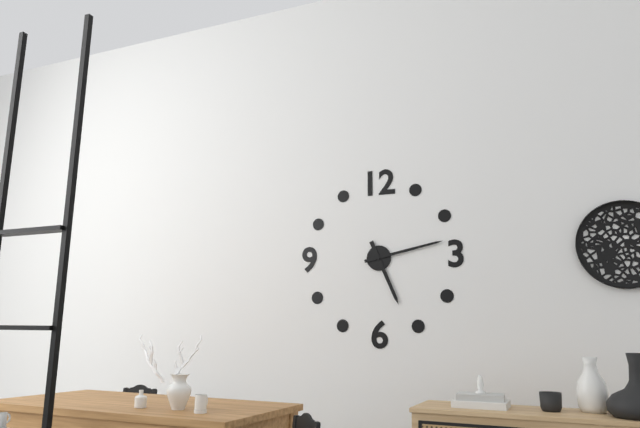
5:13
